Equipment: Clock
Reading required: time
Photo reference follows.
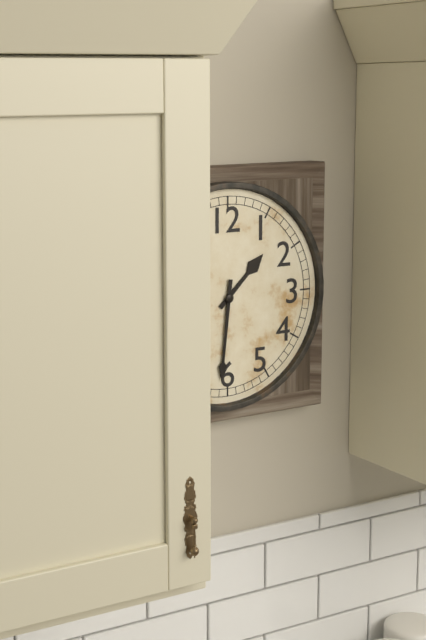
1:31
